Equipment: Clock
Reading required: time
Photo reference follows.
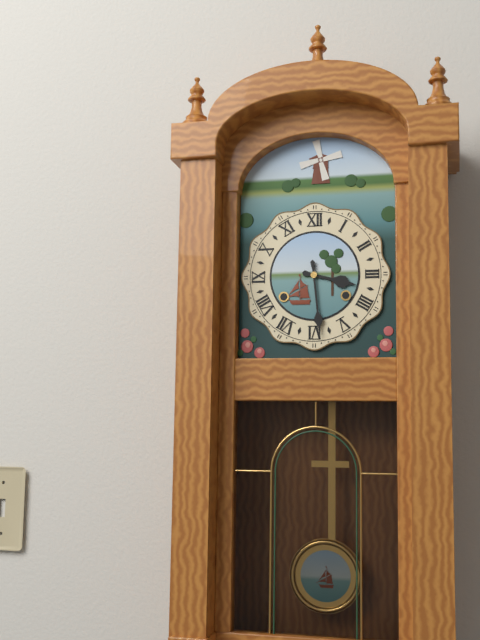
3:29
